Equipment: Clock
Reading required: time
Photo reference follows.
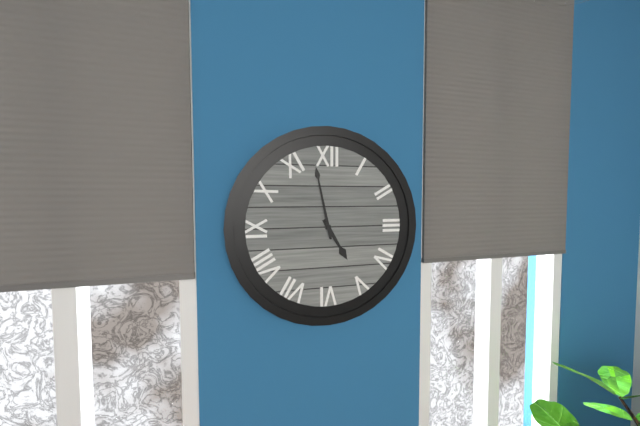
4:58
